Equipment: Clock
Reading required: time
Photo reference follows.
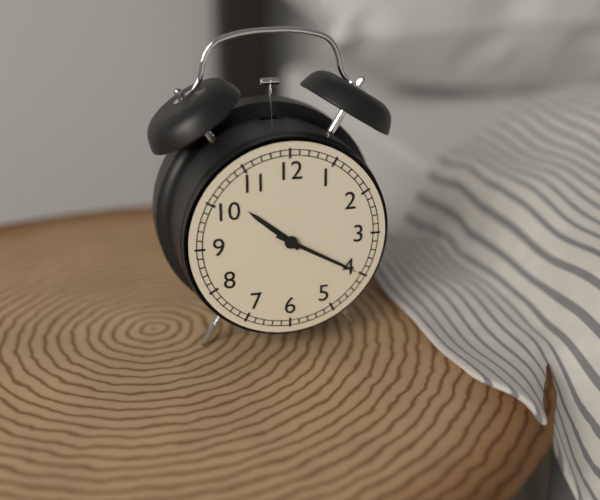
10:20
